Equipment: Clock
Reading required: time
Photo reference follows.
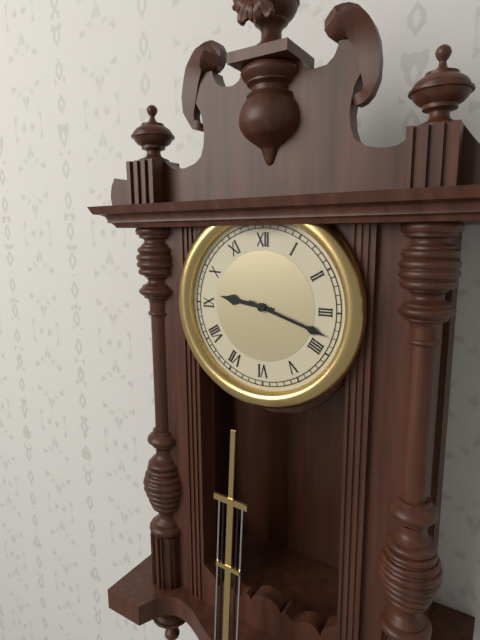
9:18
